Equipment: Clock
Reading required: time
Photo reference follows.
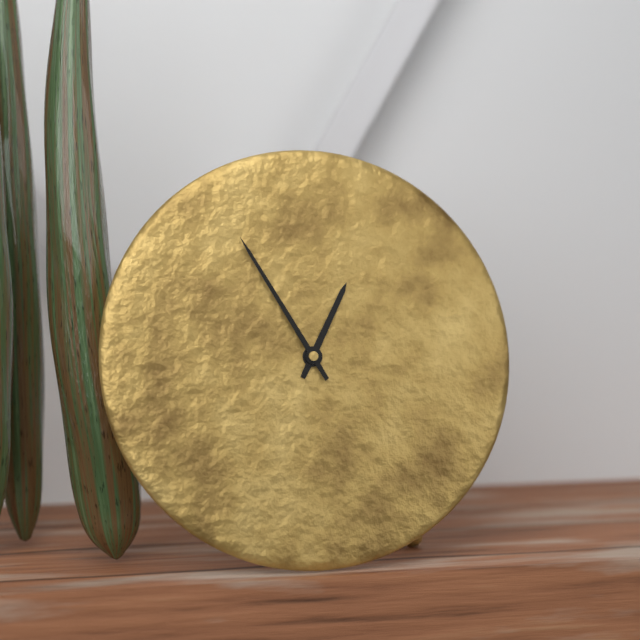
12:55
